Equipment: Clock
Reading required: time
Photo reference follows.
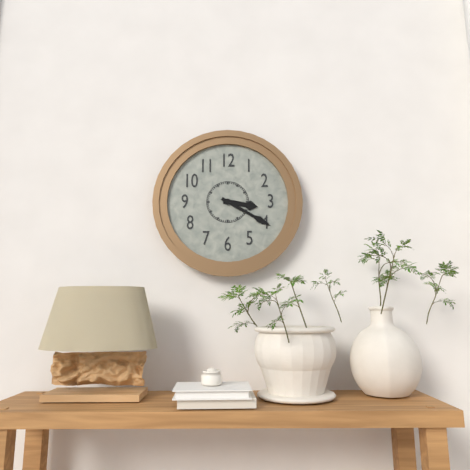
3:20
